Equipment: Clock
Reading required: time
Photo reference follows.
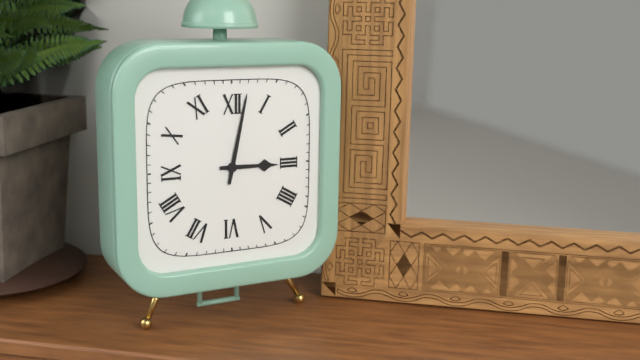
3:02
